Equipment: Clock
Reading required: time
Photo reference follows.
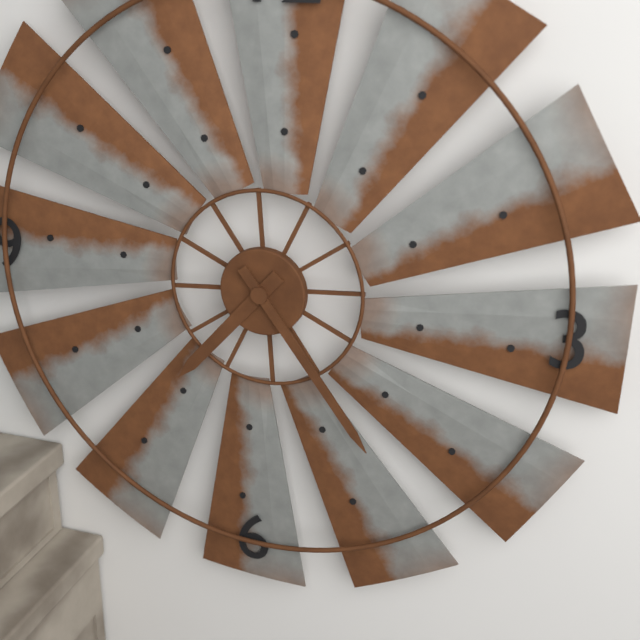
7:24
